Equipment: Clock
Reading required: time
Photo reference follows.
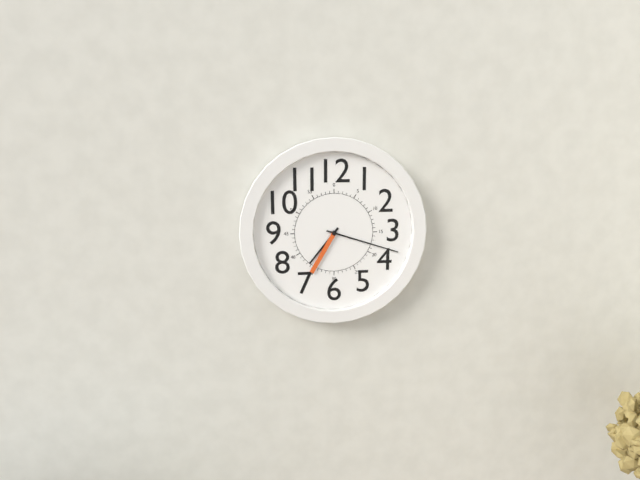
7:18:35
